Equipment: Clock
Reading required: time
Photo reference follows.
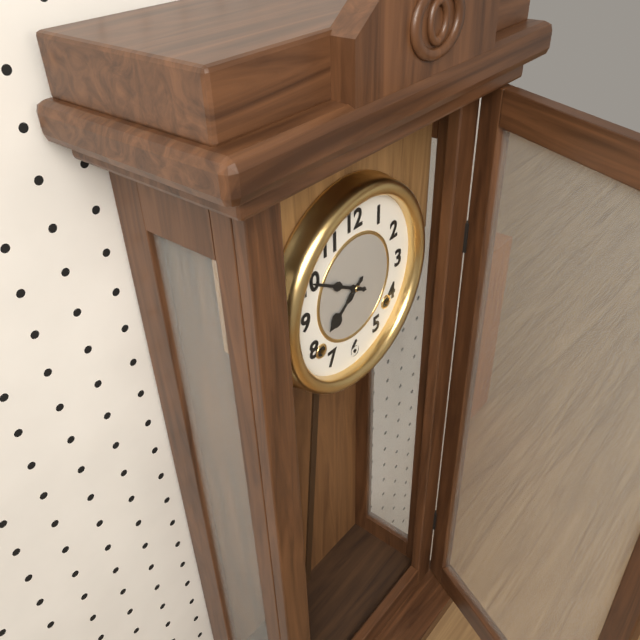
7:50
